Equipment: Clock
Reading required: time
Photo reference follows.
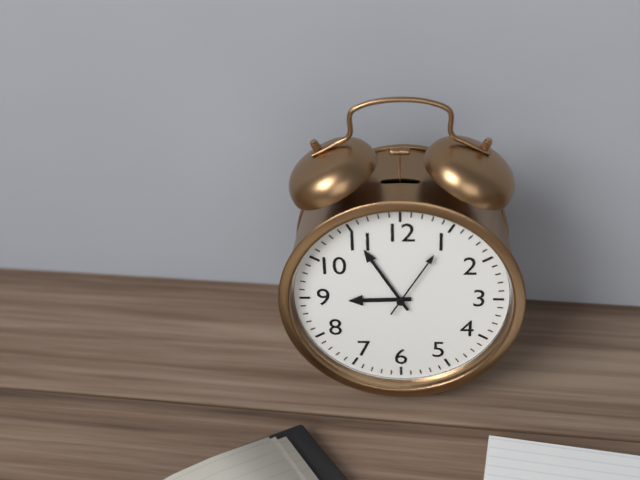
8:55:05
